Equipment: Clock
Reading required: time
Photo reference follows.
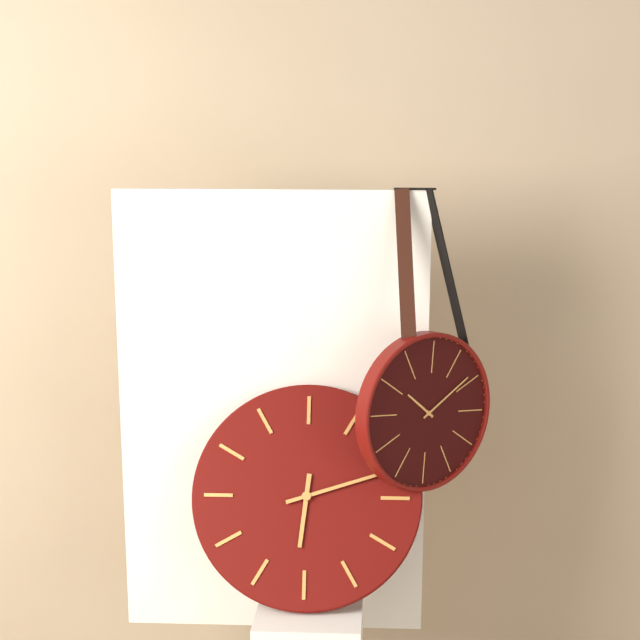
6:12
